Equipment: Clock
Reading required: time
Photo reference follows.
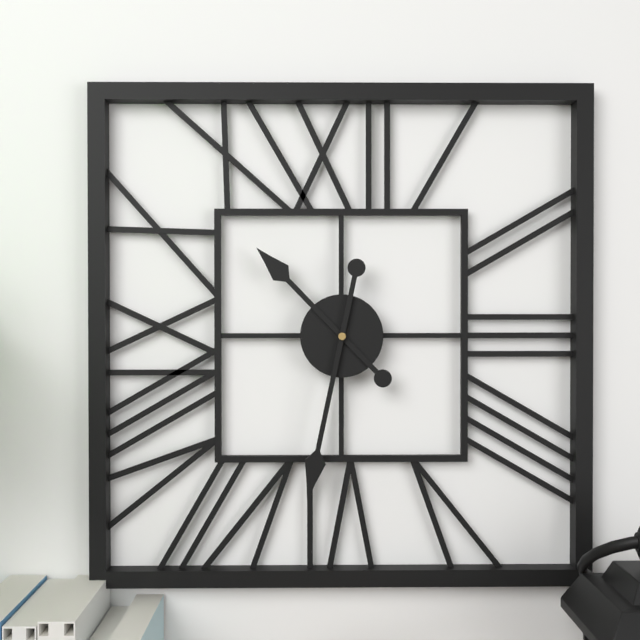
10:32
